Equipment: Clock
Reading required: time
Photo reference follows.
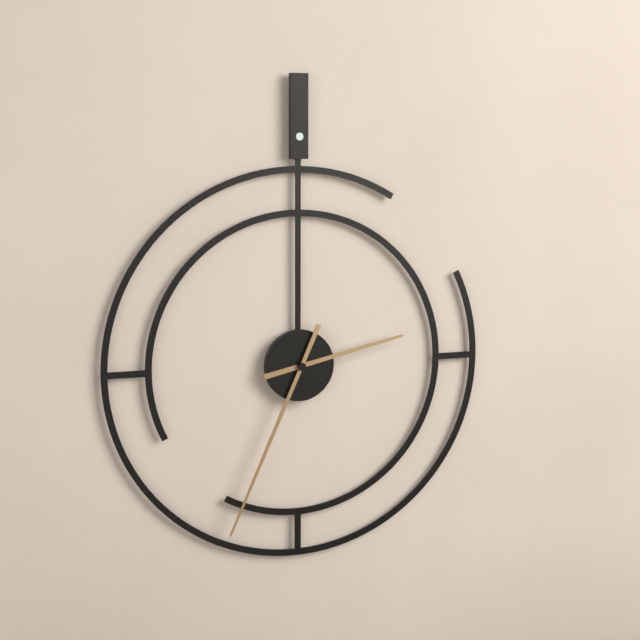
2:34
